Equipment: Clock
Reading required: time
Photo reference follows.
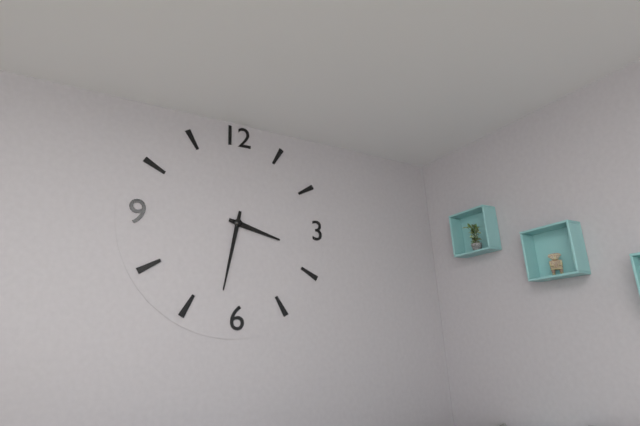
3:32
